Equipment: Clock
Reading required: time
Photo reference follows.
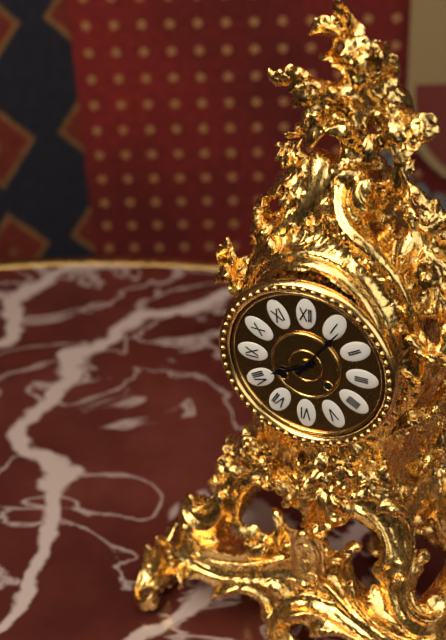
8:06
